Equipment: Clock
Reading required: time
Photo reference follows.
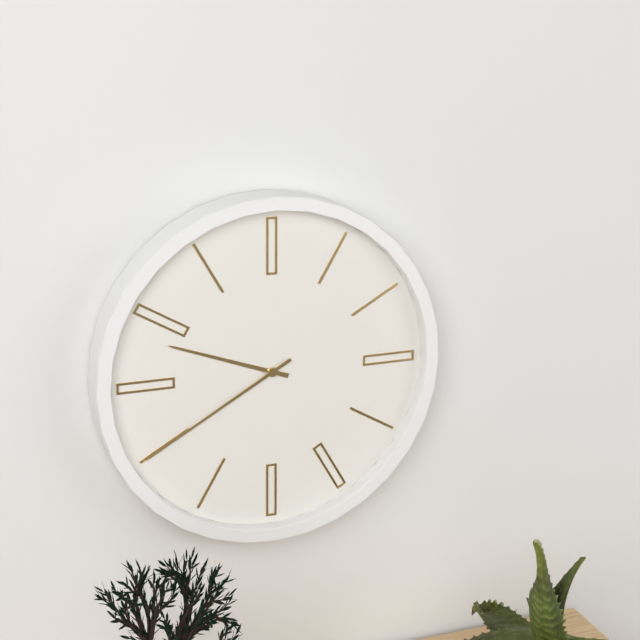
9:40
